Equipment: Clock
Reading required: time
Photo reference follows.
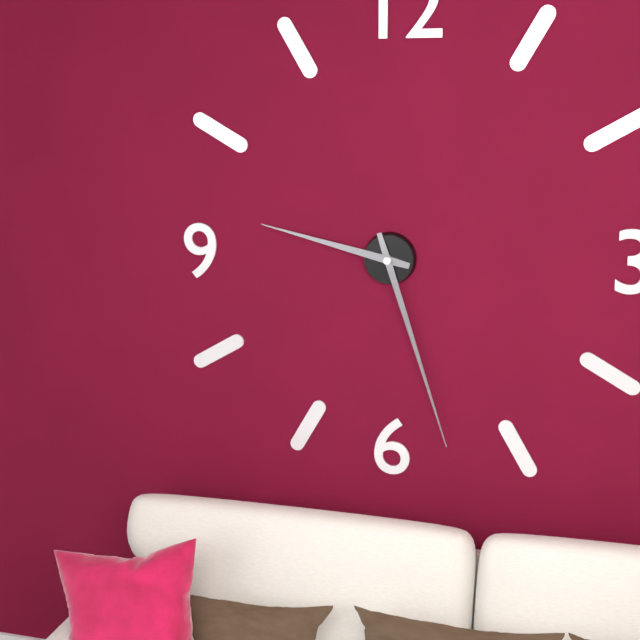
9:27
